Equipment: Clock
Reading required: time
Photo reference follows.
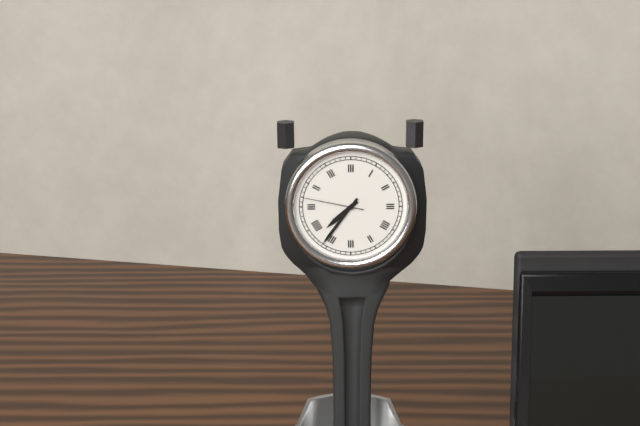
7:36:47
